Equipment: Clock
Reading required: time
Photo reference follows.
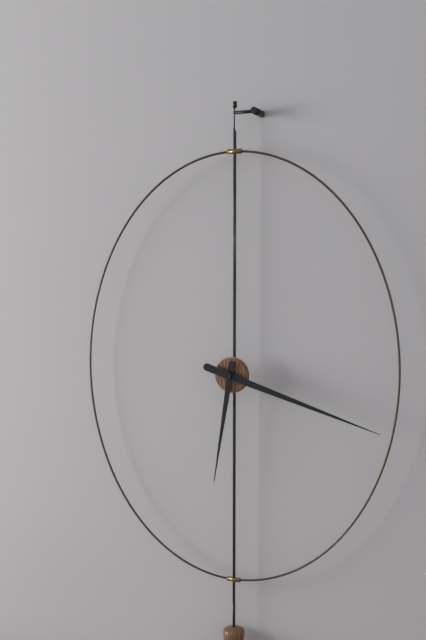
6:18
